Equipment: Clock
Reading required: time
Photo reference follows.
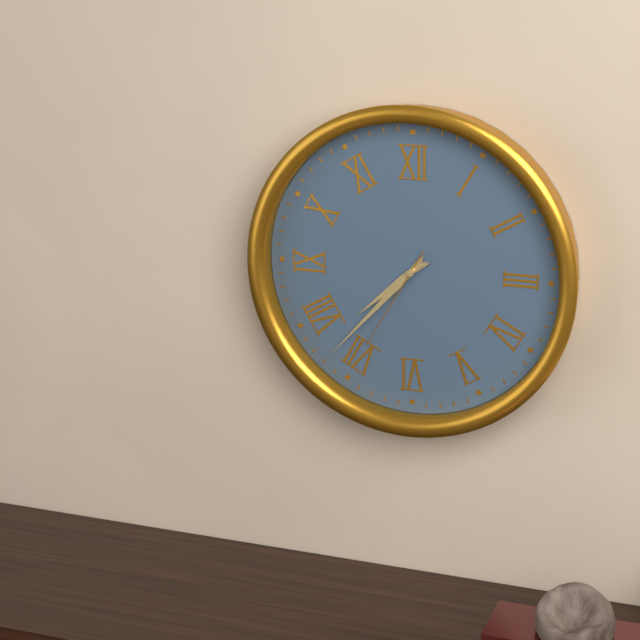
7:37:35
